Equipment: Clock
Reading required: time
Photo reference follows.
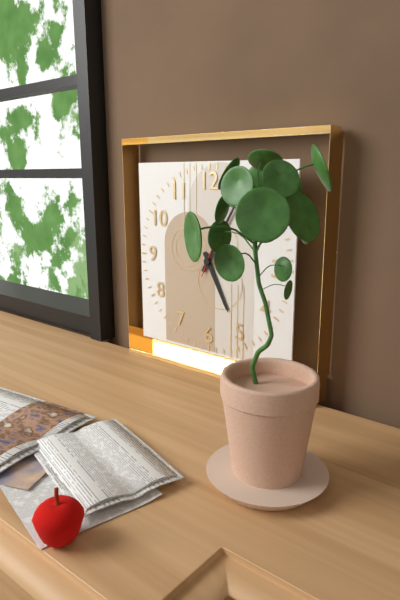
5:05
